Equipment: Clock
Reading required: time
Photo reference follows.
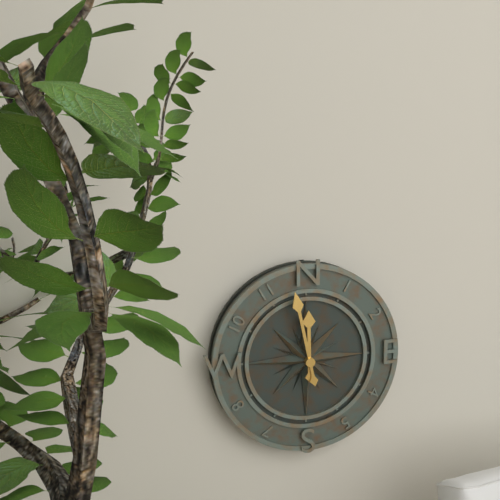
11:58
